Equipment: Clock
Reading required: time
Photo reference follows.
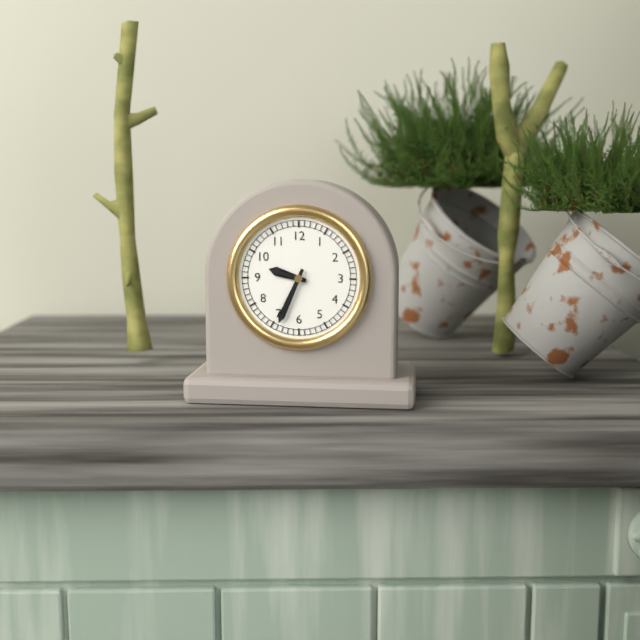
9:34
